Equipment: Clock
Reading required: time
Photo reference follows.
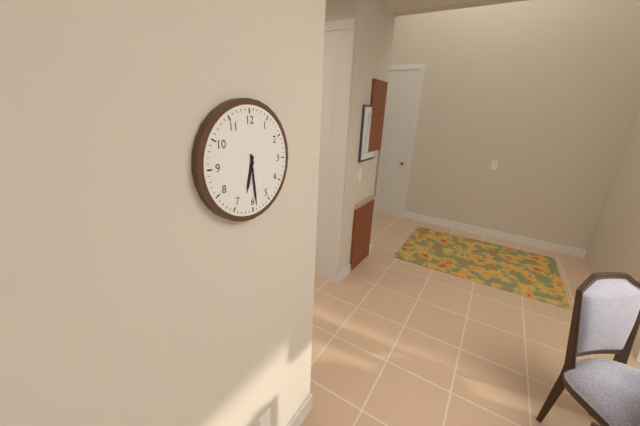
6:29
